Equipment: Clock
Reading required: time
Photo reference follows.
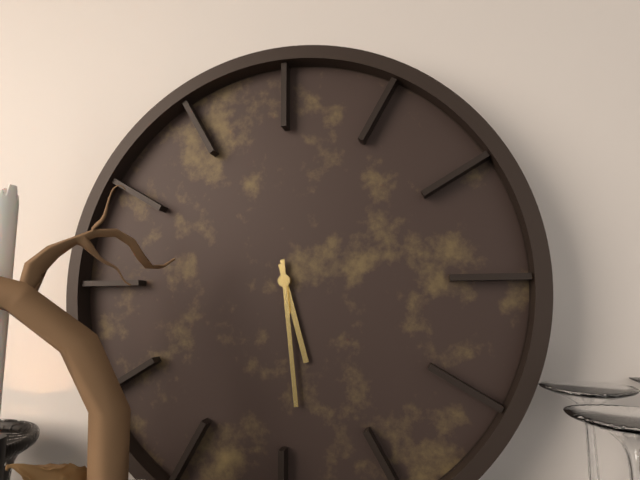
5:29
